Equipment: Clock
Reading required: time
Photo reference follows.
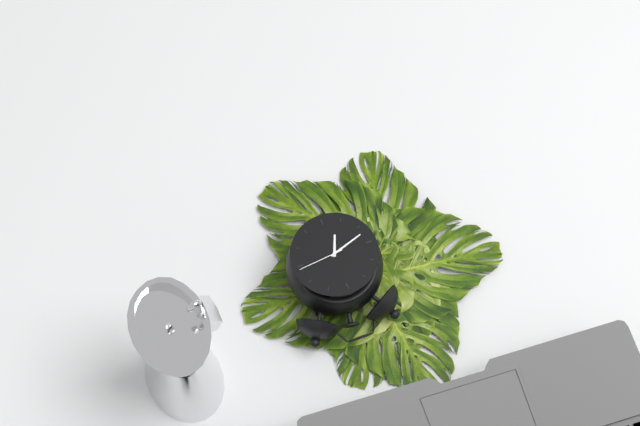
6:42
